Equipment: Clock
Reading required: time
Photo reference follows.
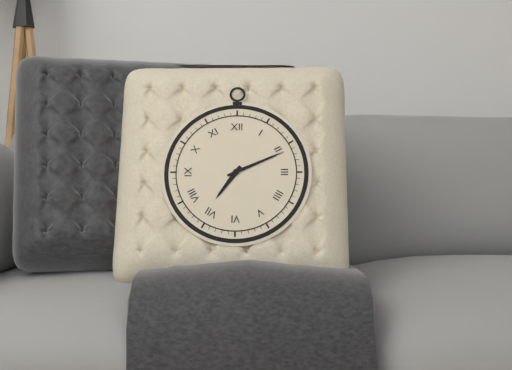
7:11
